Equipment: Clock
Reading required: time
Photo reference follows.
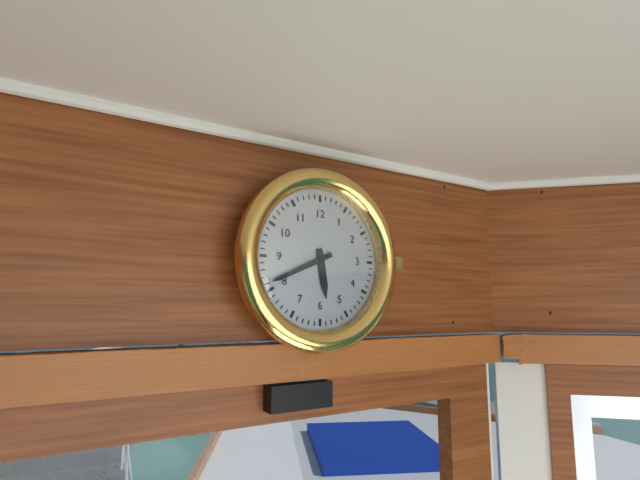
5:41
